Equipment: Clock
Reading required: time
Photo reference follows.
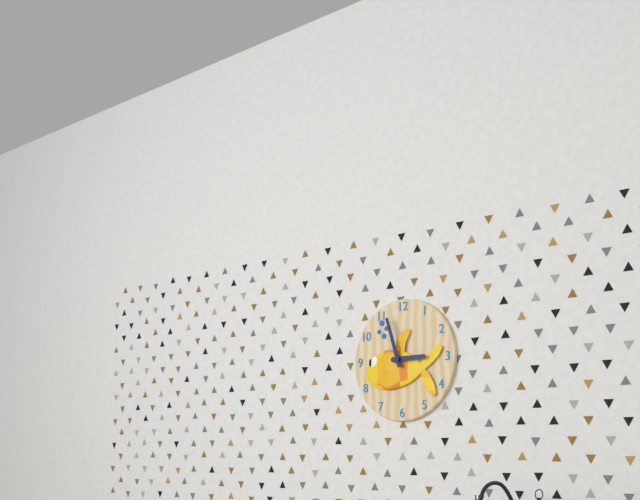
2:57
